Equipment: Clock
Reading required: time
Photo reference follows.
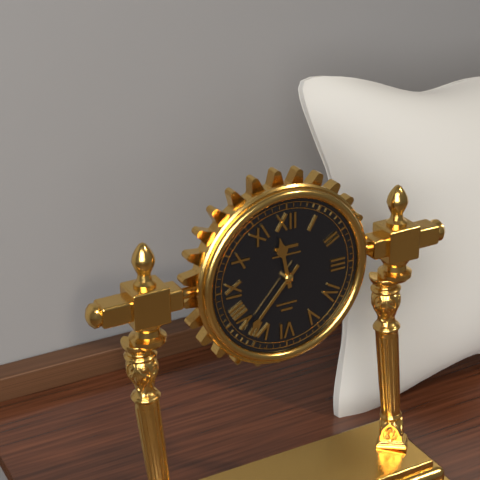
11:37
